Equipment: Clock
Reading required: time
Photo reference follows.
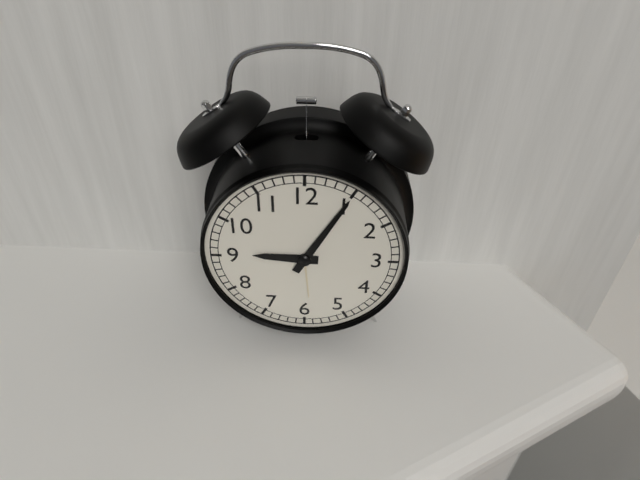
9:05
